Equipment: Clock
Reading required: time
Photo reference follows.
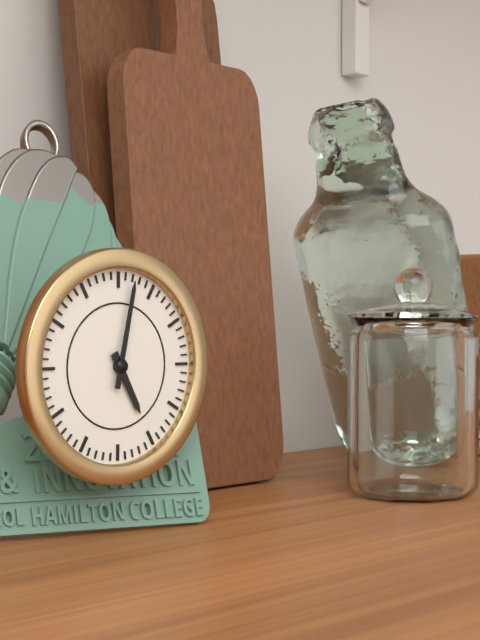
5:02
